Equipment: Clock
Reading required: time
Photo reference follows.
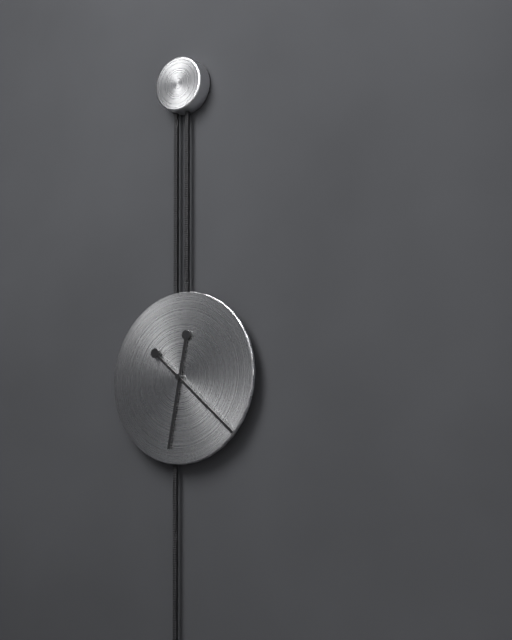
6:22
